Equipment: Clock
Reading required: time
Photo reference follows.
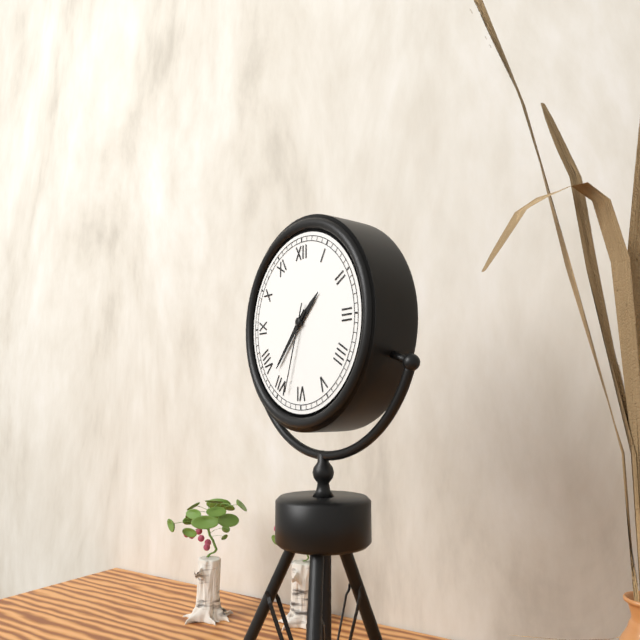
1:37:33
